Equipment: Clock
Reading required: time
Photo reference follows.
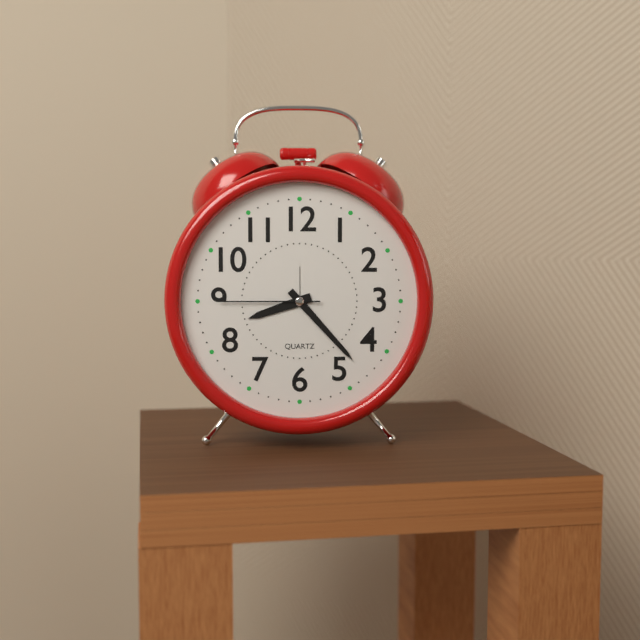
8:23:45
